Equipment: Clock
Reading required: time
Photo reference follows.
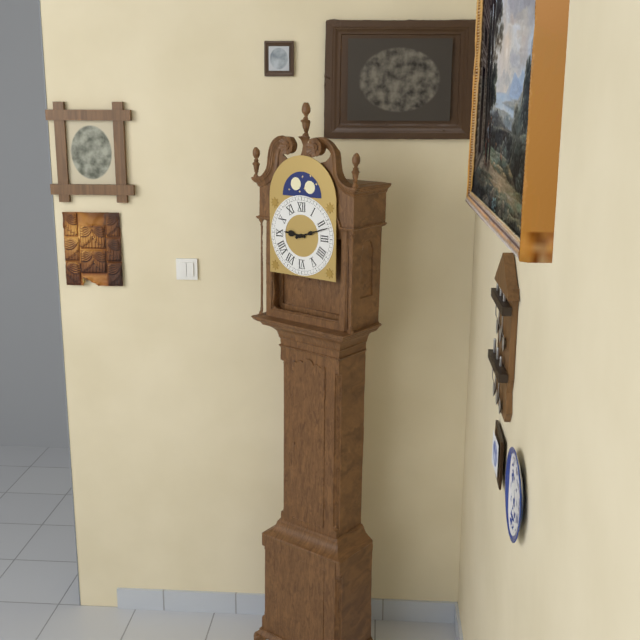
9:12
